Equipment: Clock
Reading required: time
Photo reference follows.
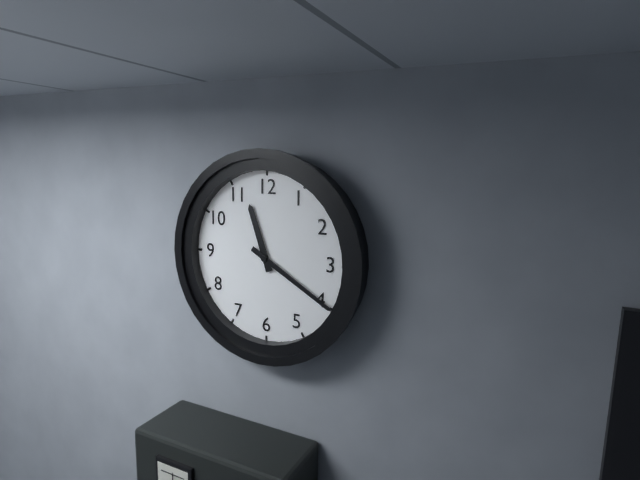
11:20
